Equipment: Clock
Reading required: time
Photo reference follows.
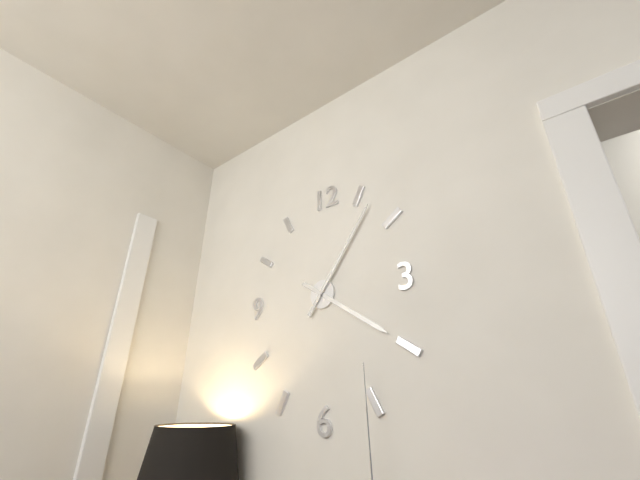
4:06
